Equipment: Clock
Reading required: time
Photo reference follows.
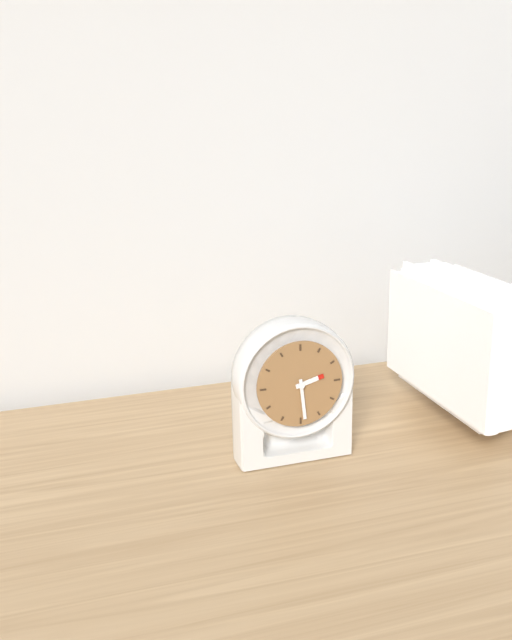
2:29
